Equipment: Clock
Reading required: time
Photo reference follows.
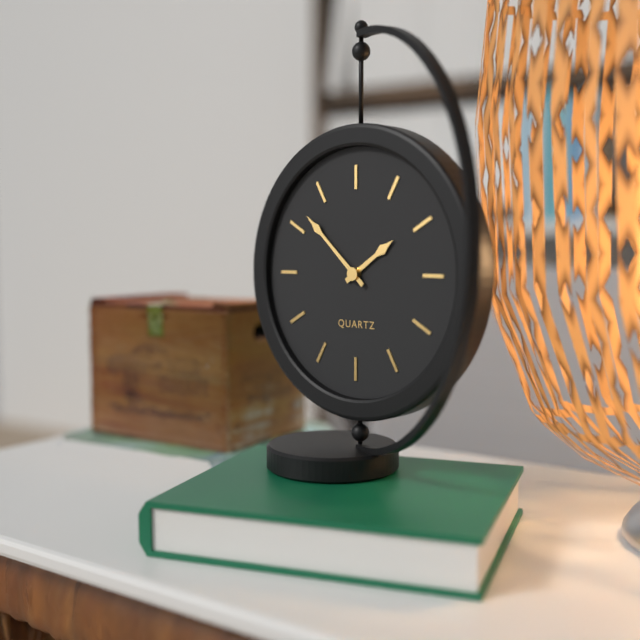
1:52
